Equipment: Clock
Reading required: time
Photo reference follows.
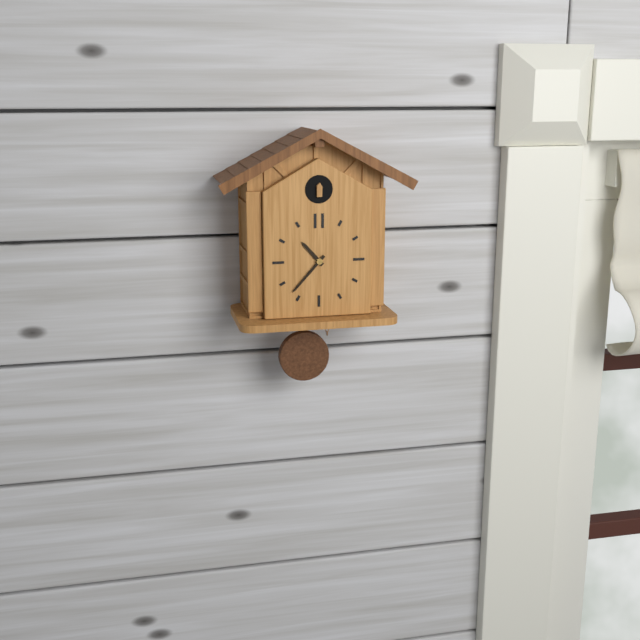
10:37
